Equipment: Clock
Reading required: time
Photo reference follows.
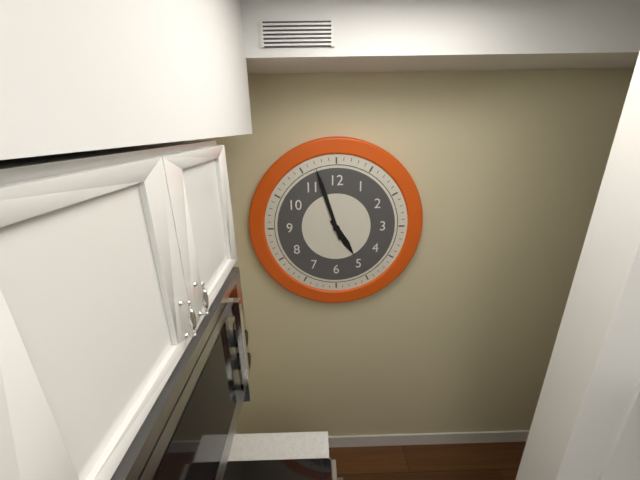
4:57
